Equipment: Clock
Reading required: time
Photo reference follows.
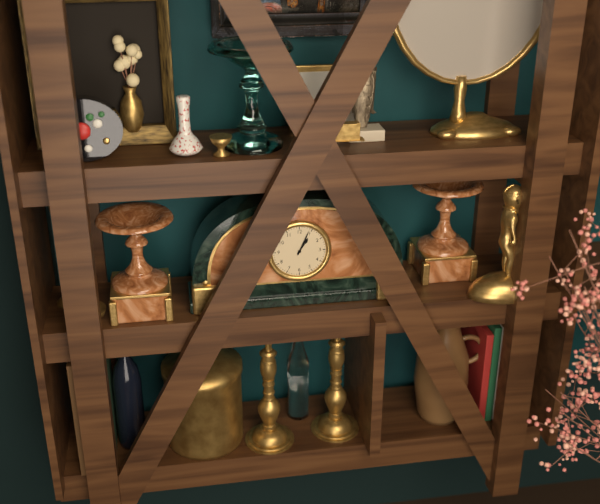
1:04
